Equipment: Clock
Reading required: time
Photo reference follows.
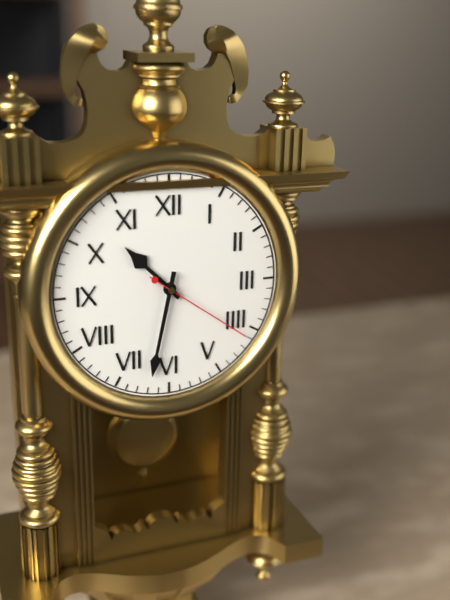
10:32:21
